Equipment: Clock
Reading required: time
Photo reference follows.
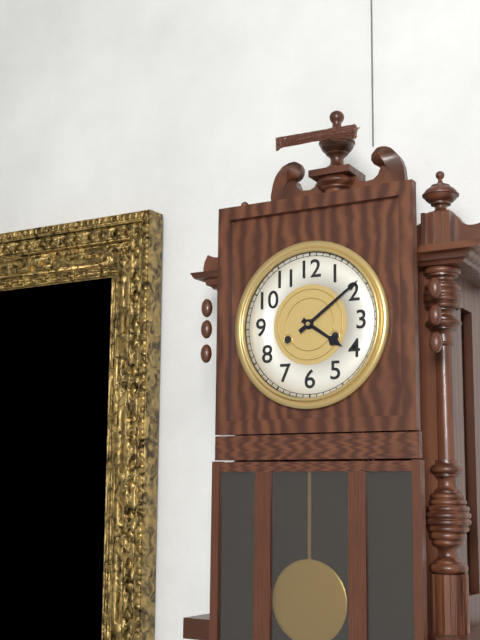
4:09
